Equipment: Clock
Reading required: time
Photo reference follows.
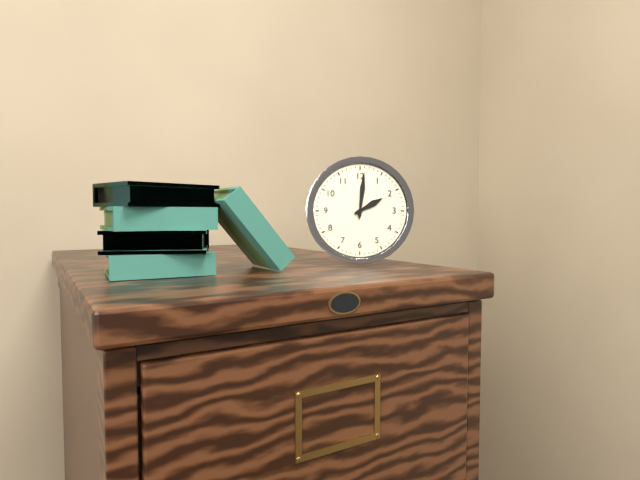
2:01
